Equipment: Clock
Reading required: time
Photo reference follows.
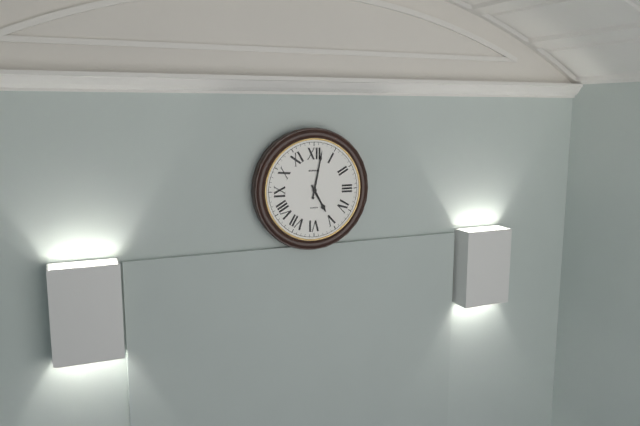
5:02
